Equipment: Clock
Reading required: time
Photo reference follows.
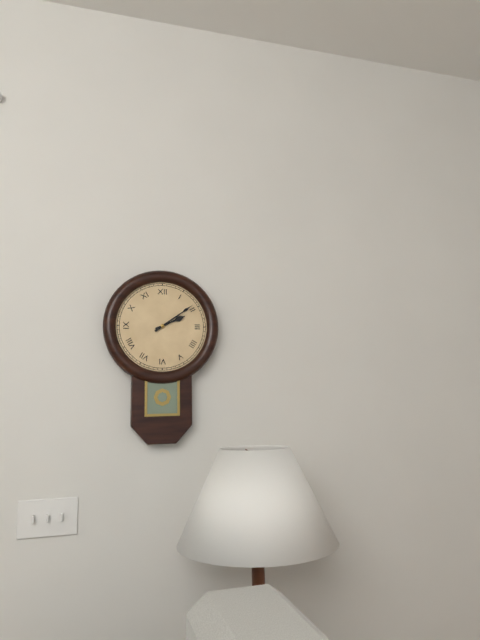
2:09
